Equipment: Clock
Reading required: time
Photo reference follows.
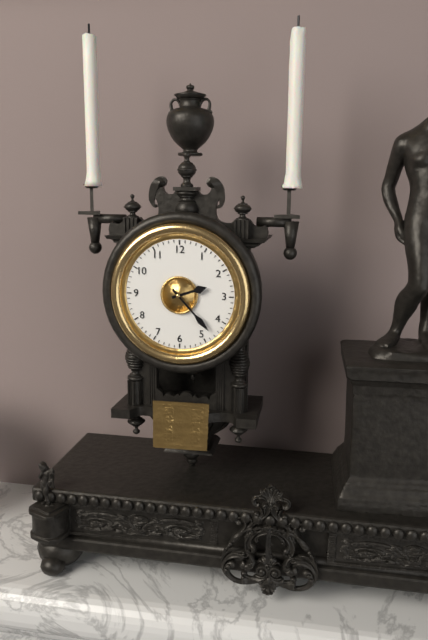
2:23
